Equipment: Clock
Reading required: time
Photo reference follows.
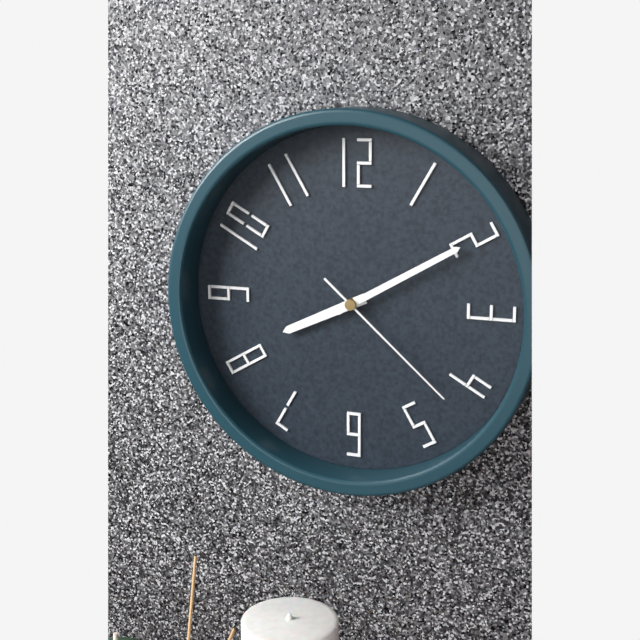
8:10:22
